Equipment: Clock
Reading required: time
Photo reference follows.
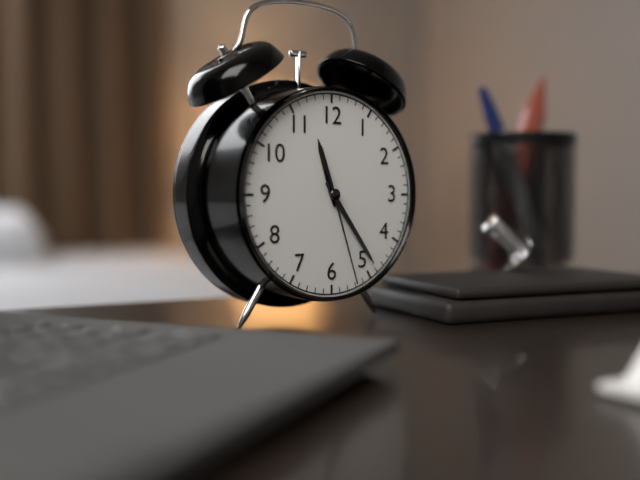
11:24:27
